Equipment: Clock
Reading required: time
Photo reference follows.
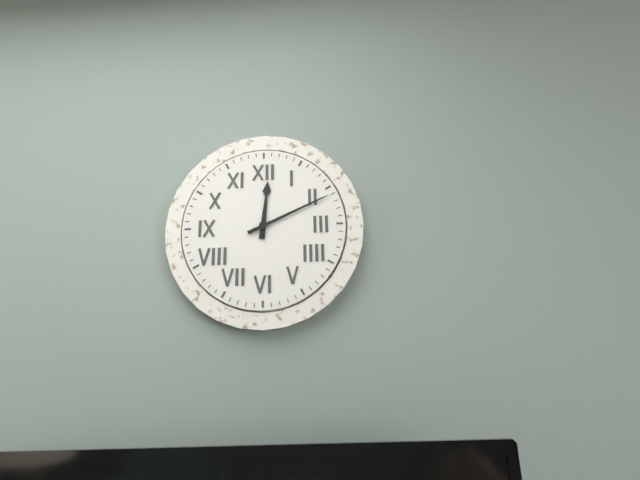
12:11
